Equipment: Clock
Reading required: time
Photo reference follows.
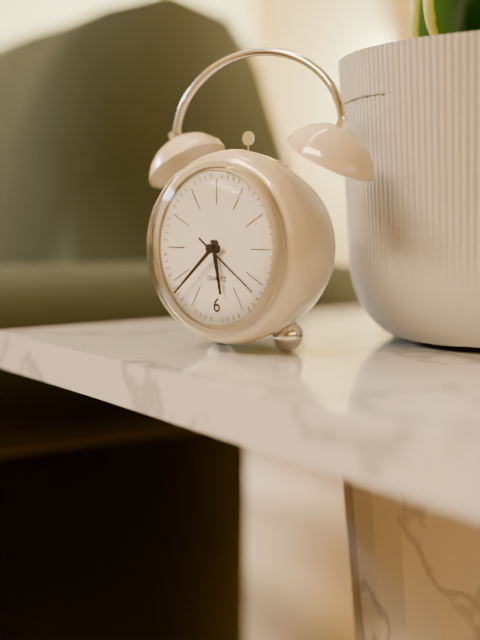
5:38:21
